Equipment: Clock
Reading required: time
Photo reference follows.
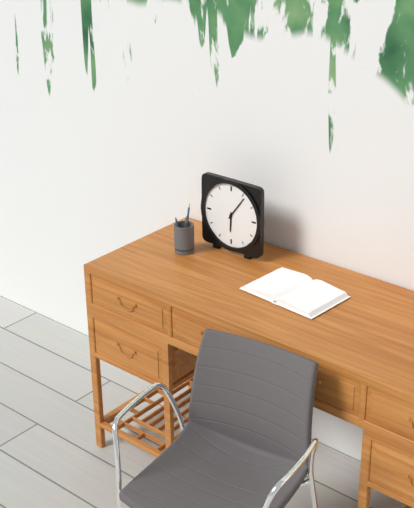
6:06
